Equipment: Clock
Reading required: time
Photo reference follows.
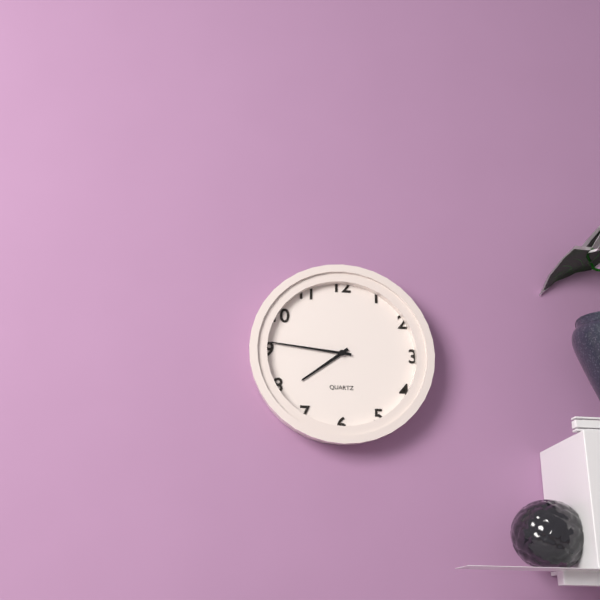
7:46
